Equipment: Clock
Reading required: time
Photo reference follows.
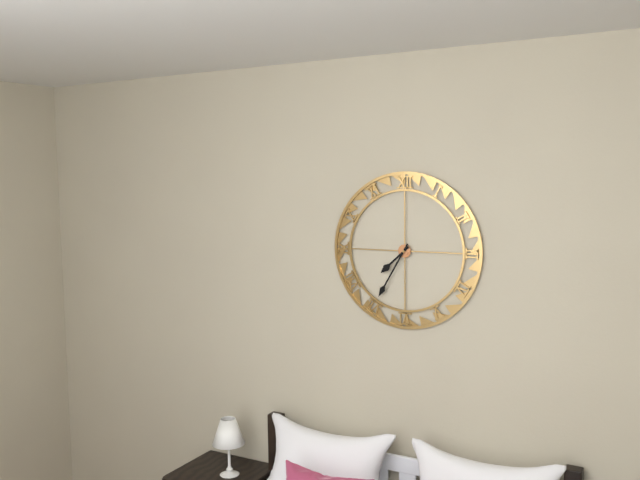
7:35
